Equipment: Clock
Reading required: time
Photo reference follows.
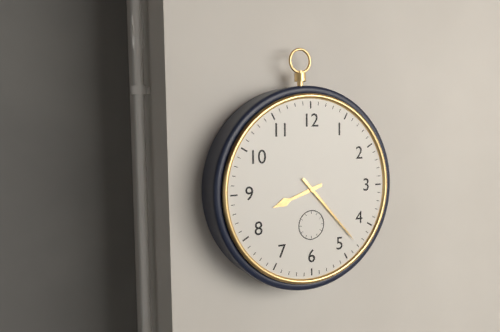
8:23
